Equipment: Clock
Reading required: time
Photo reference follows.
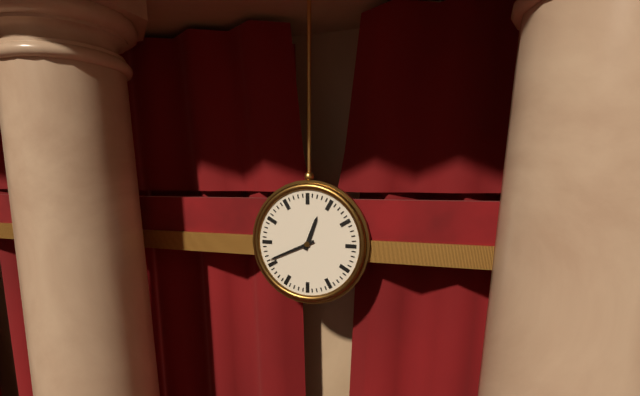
12:41
